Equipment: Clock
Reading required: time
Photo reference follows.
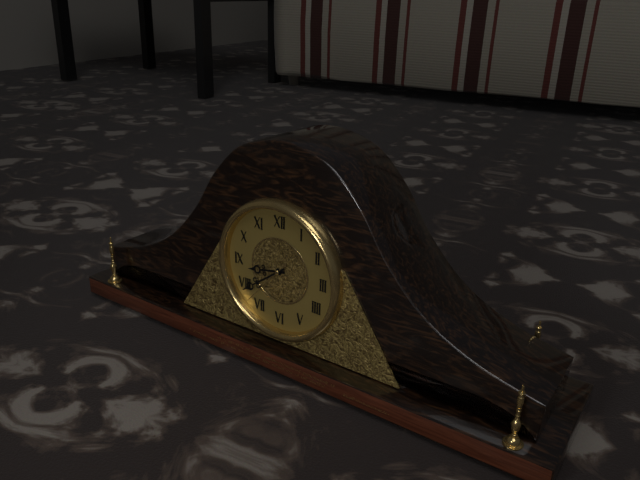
8:39:37
